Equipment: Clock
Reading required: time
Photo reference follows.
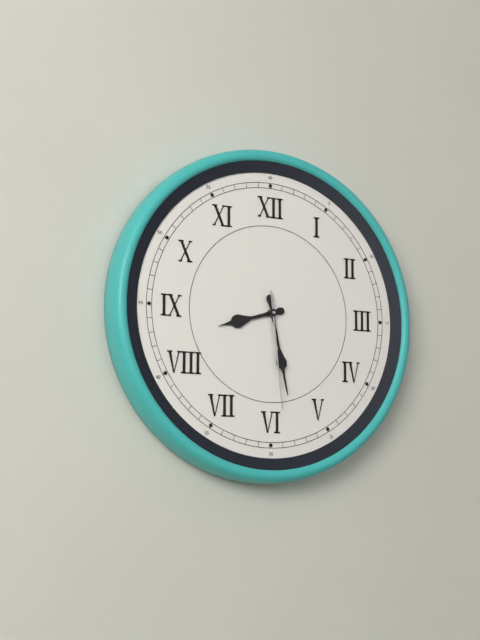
8:28:29
